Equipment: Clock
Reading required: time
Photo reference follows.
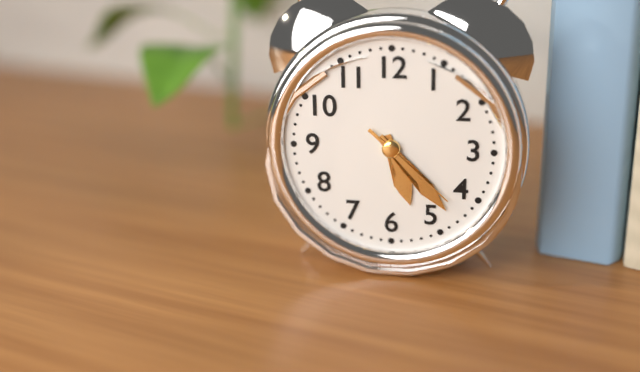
5:23:22
